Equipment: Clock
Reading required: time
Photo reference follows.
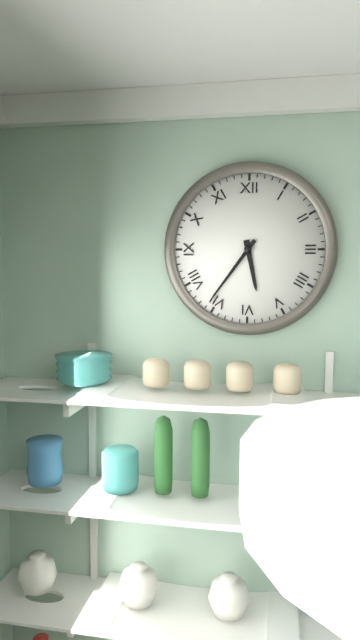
5:36
